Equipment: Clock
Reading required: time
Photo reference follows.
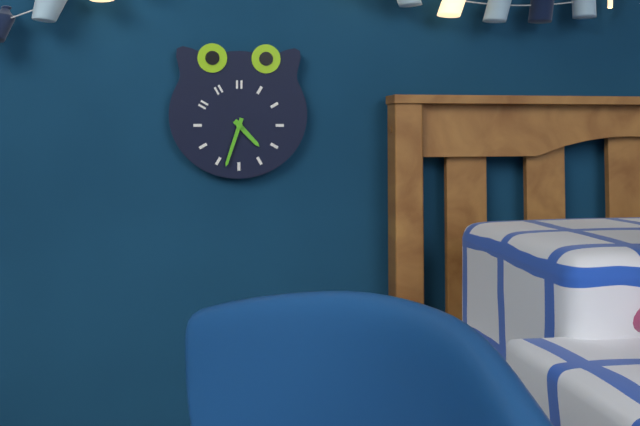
4:33
